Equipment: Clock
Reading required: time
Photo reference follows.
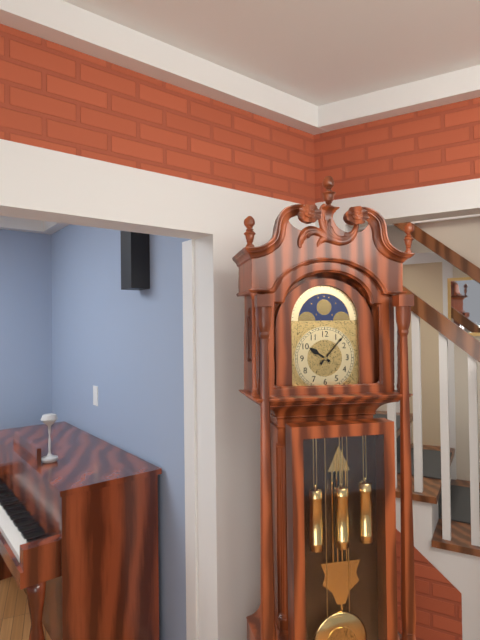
10:07
